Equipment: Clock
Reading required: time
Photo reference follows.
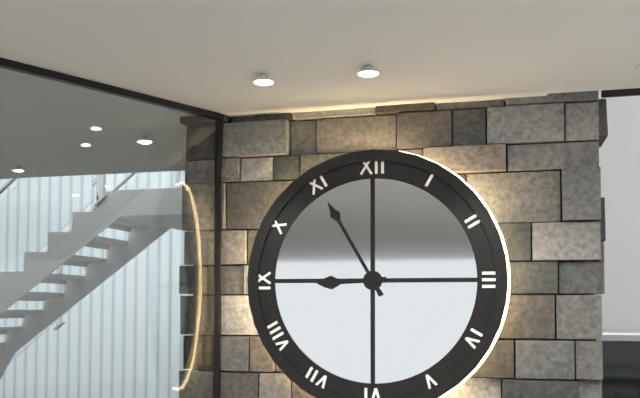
8:55
